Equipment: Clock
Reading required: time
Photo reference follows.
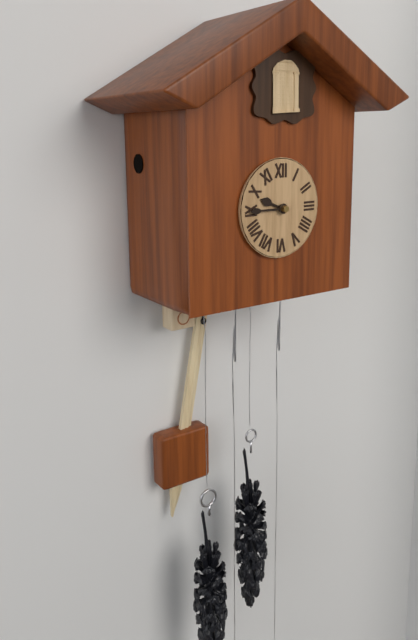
9:45
